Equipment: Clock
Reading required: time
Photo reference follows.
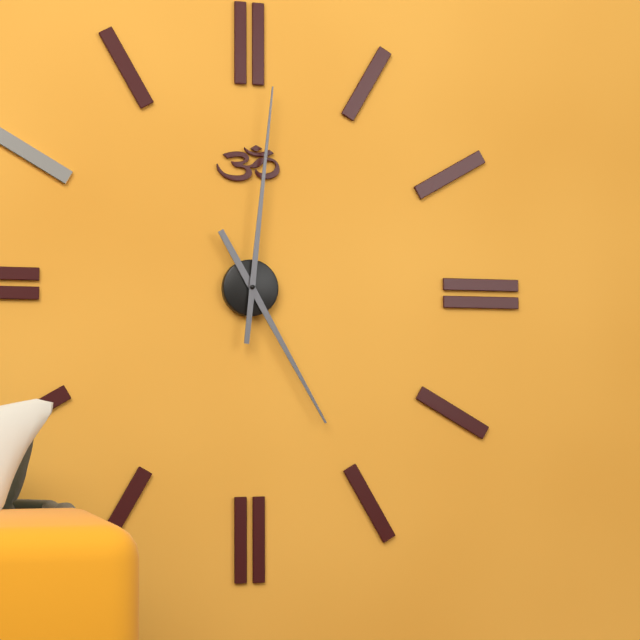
5:01
